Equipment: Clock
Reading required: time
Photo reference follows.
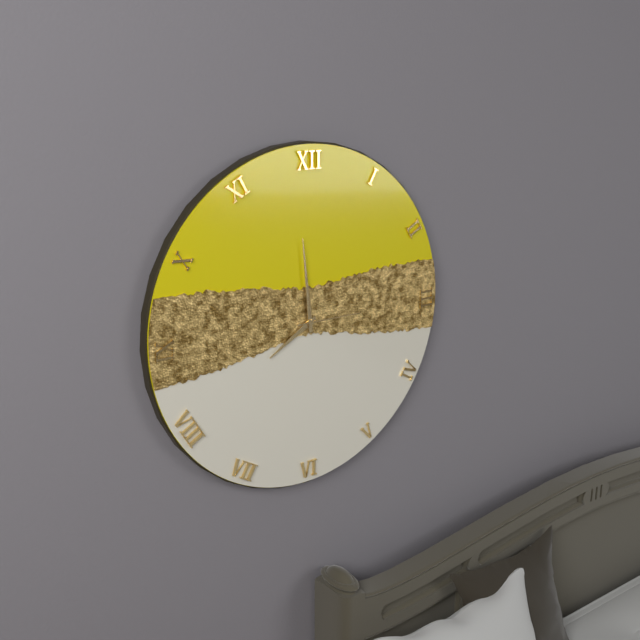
7:59:15
